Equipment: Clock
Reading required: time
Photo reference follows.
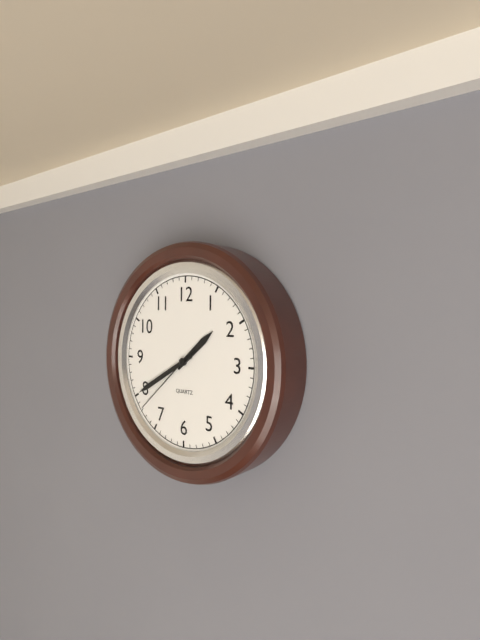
1:40:38
